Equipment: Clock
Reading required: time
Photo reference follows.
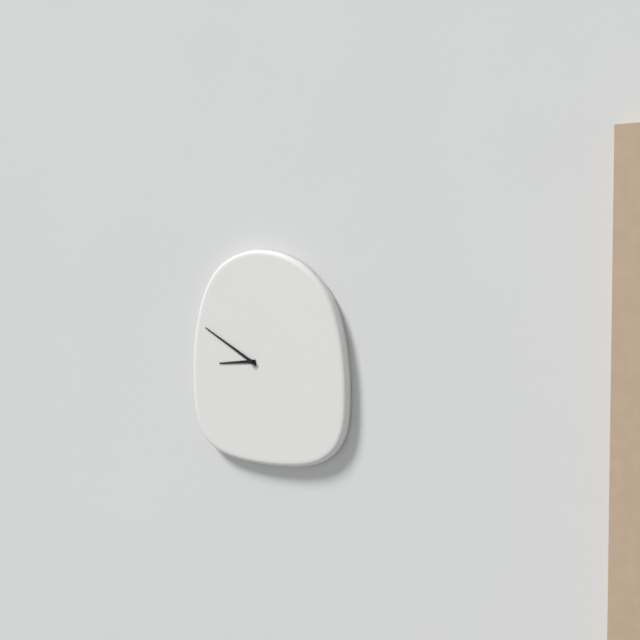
8:50
